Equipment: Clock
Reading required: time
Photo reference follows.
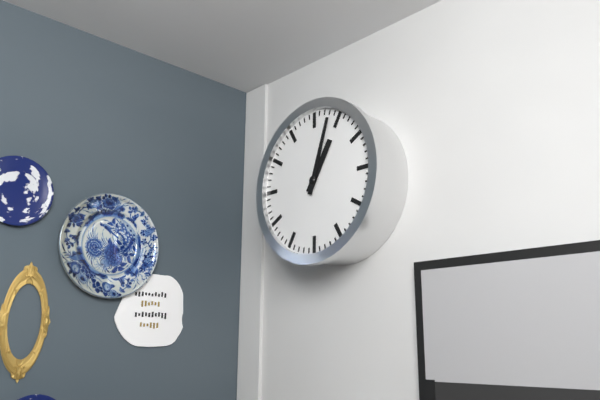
1:03
